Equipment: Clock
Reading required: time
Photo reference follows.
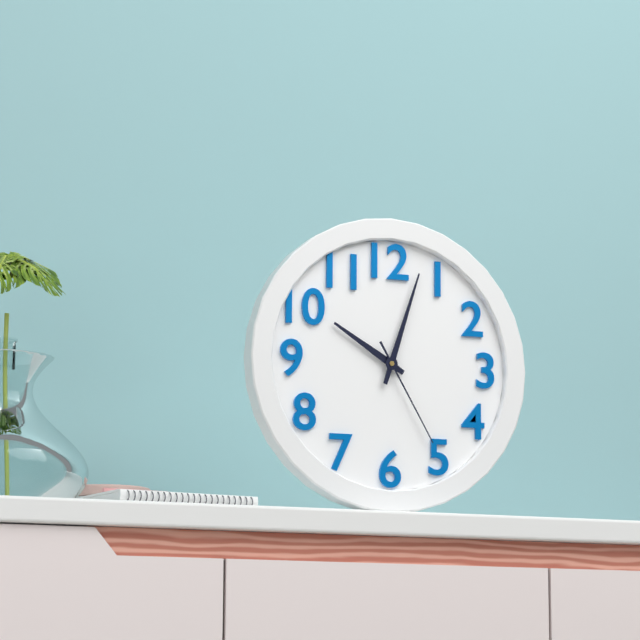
10:03:25
